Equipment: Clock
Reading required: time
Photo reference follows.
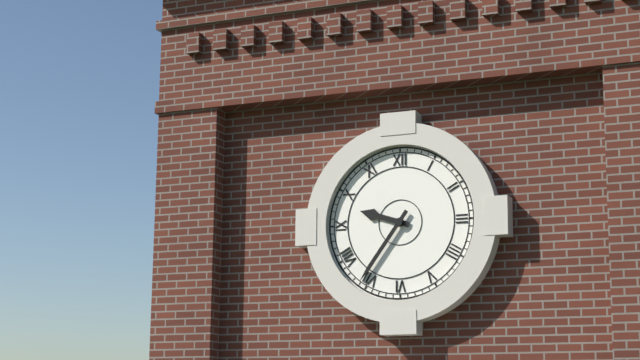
9:36
